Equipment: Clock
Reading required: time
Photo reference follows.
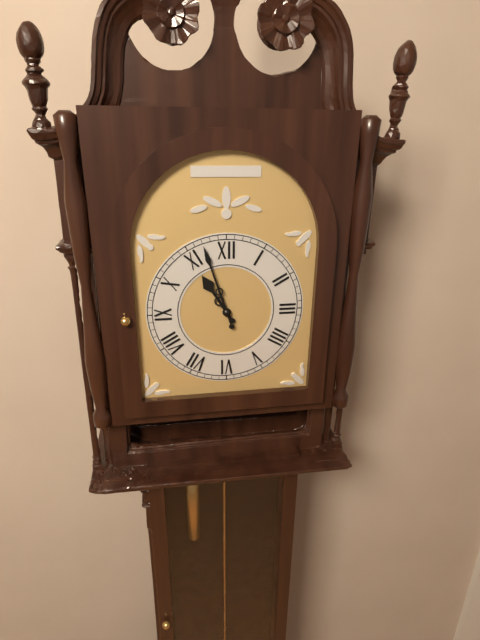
10:57
